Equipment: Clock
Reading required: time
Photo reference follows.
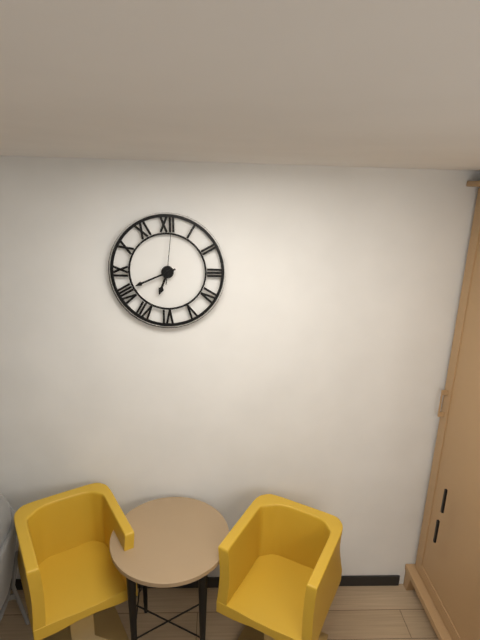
6:41:01
